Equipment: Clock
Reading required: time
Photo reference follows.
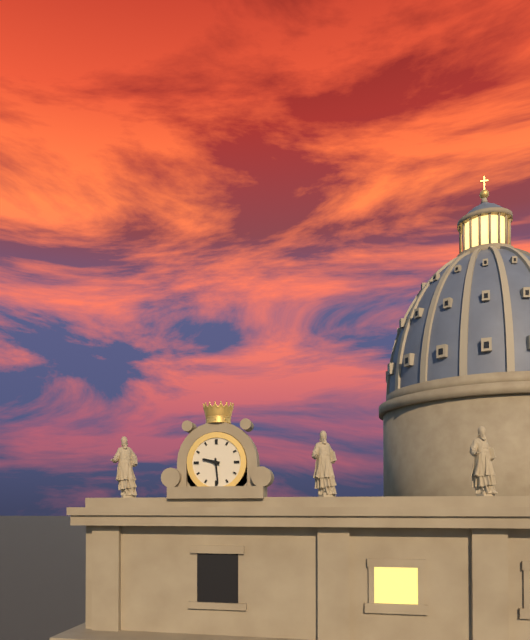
9:29
